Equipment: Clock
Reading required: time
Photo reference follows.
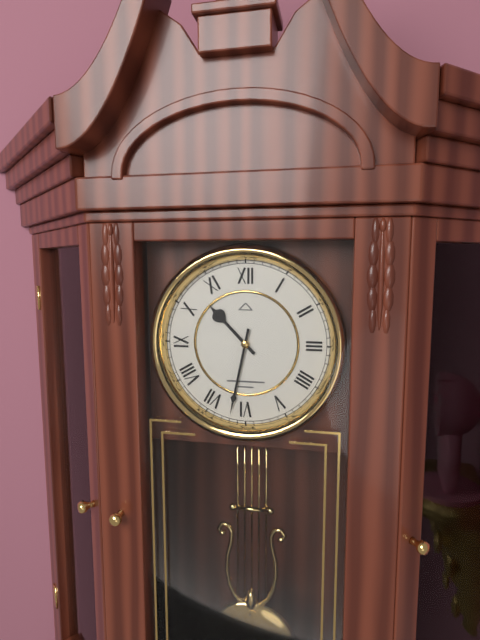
10:32
